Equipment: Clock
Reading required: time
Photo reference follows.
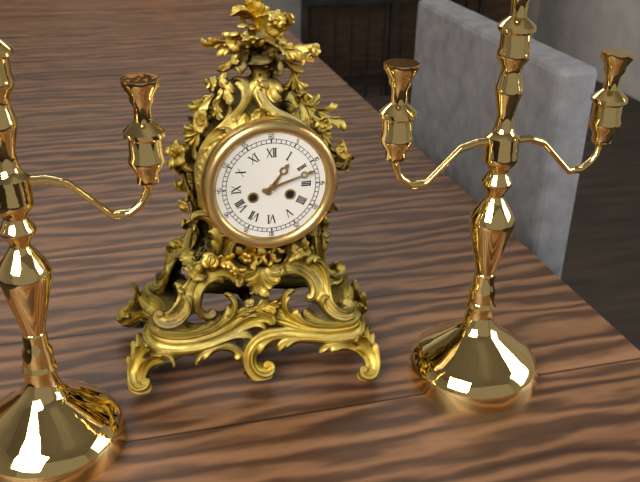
1:12
